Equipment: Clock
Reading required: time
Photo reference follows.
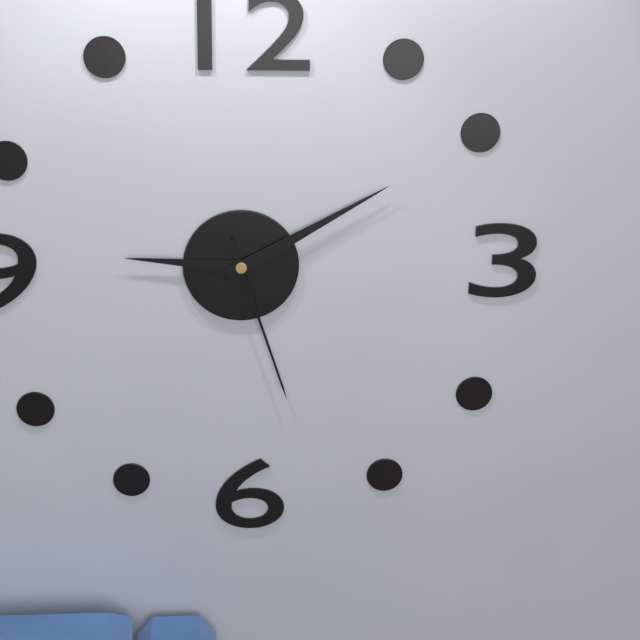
9:10:27
